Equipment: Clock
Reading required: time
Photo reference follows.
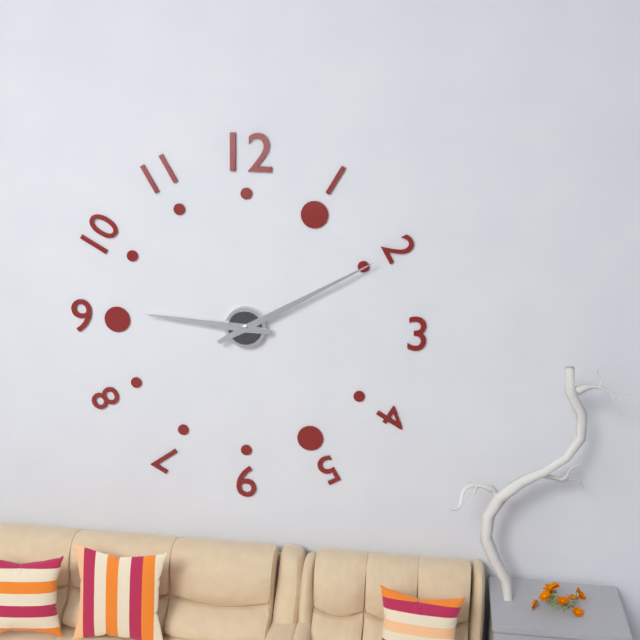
9:10
